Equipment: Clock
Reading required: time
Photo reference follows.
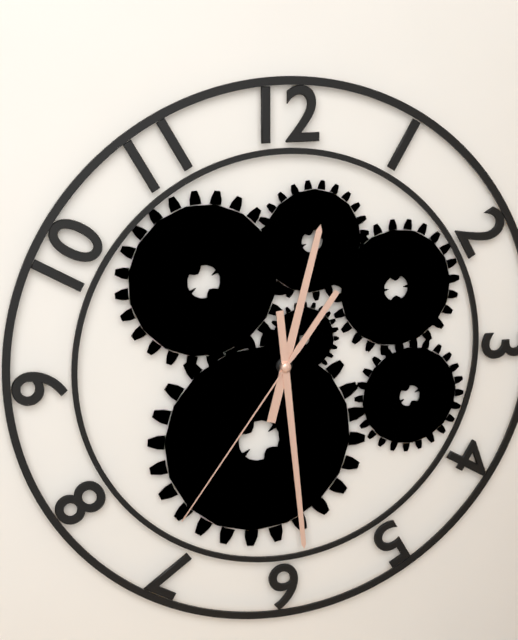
12:29:36
